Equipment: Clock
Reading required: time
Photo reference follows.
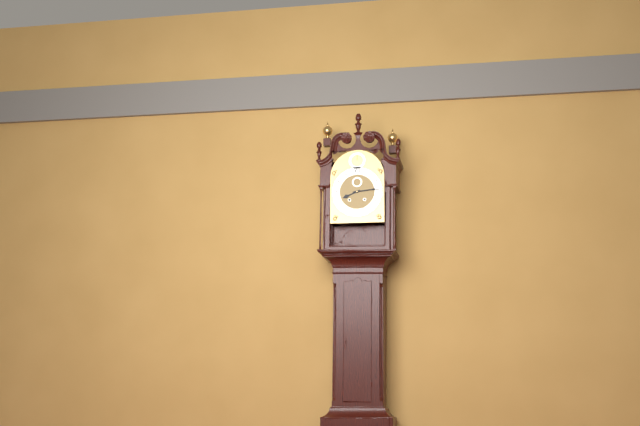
8:14
